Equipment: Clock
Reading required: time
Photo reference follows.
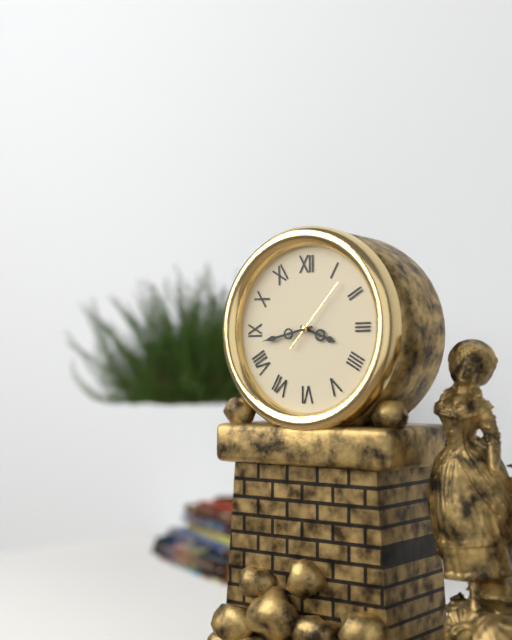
3:43:07
